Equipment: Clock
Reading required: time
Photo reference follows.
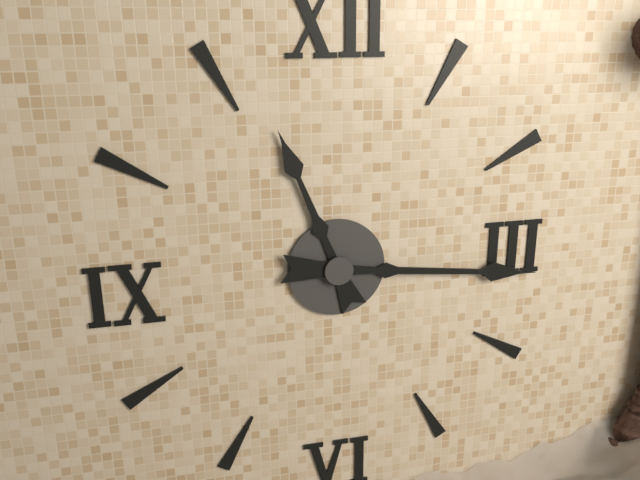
11:16
